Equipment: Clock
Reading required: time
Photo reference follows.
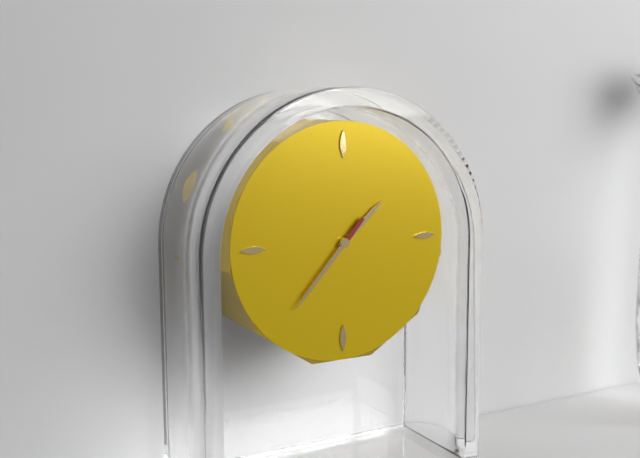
1:37
